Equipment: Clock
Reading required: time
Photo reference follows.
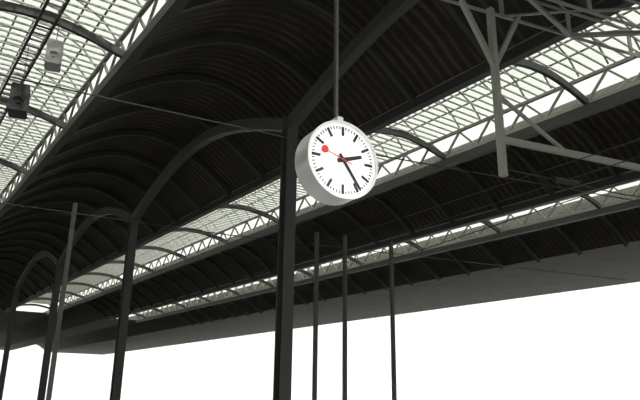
2:24
